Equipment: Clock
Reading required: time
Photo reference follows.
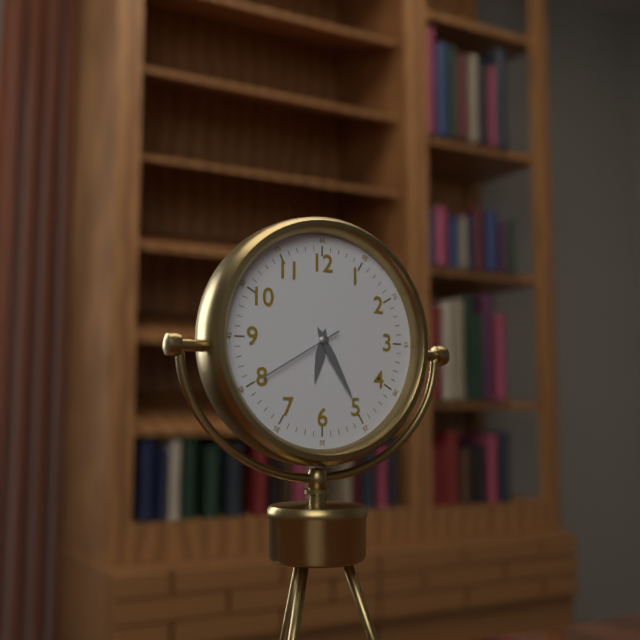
6:25:40
